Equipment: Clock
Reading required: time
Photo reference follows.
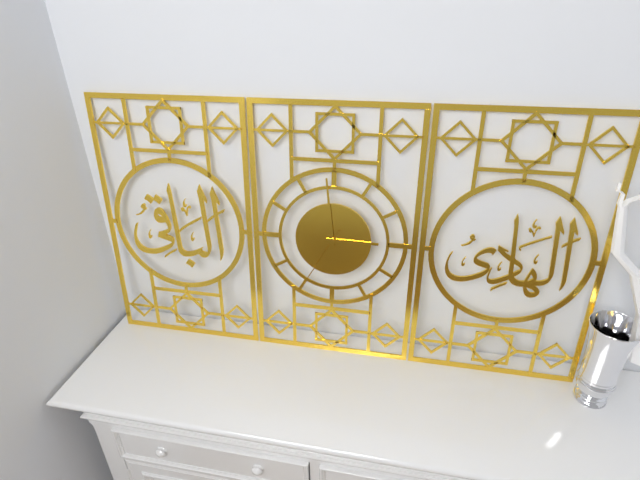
2:59:35
